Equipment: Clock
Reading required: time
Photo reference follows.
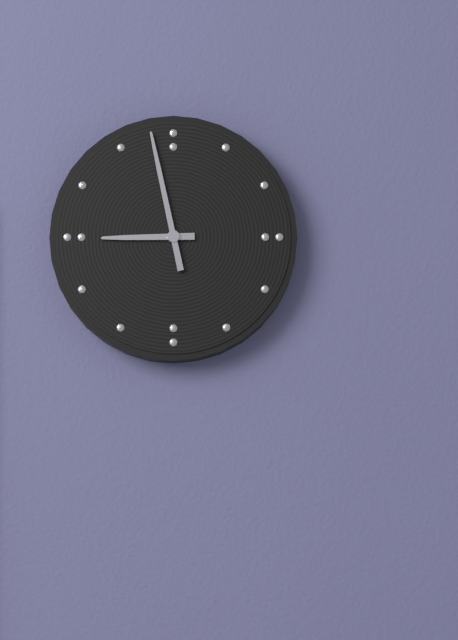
8:58
